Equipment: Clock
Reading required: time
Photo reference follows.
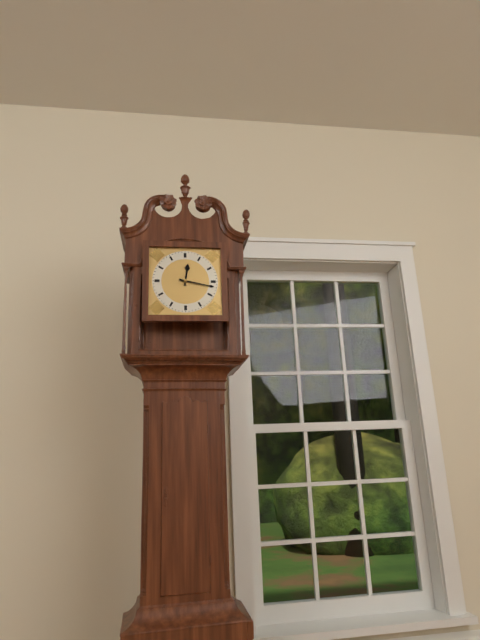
12:17
